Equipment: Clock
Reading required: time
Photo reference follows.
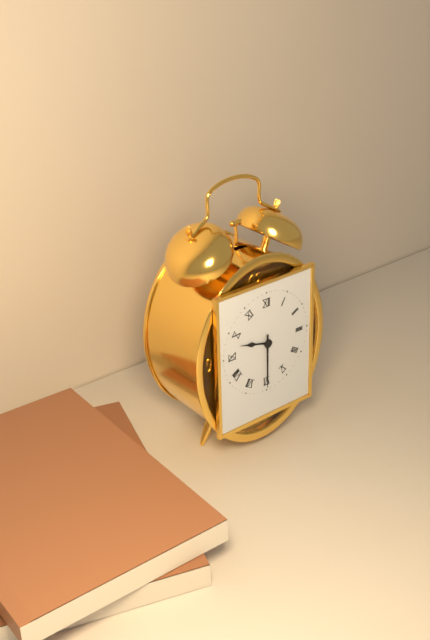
9:30
